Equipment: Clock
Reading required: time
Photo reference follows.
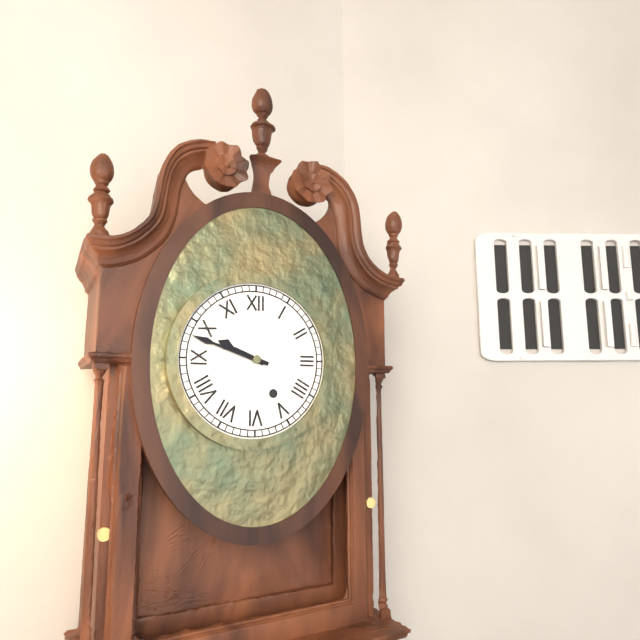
9:48
